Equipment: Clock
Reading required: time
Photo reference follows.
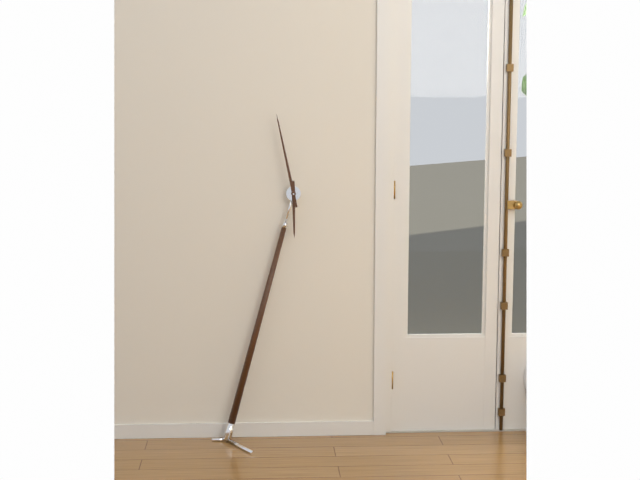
5:58
